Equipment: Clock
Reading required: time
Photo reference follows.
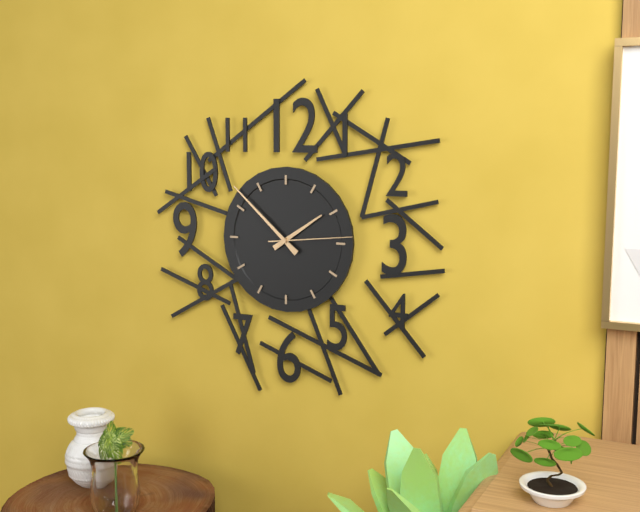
1:52:14
